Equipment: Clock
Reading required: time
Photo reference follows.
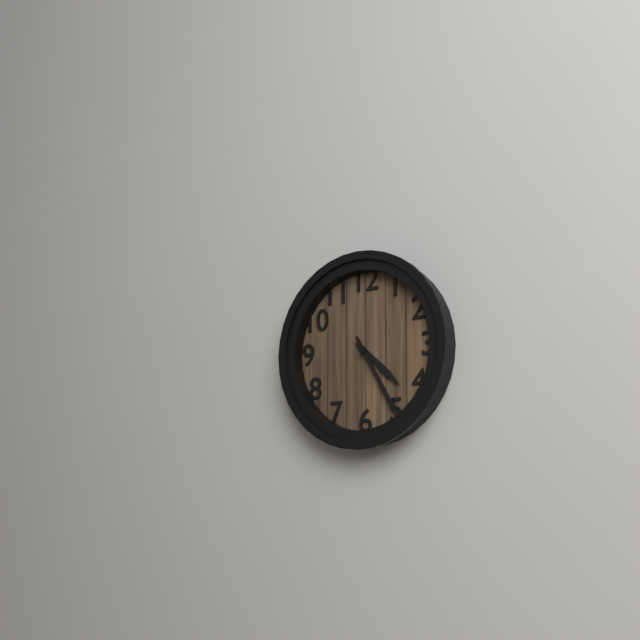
4:25
